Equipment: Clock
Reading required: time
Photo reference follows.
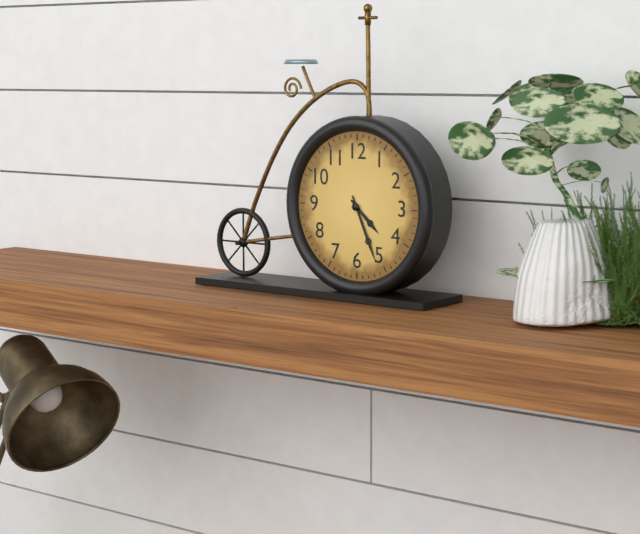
4:26
